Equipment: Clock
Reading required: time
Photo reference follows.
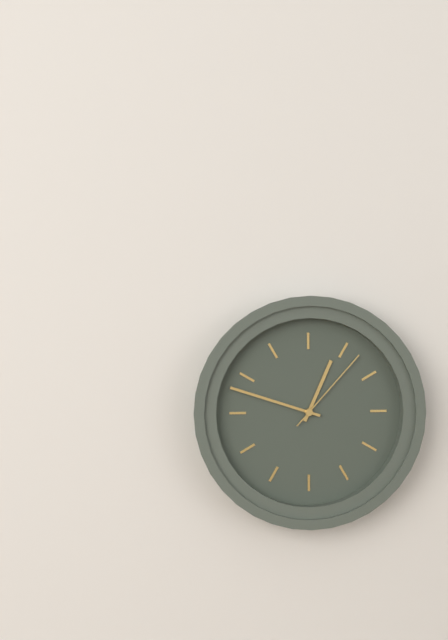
12:48:07
